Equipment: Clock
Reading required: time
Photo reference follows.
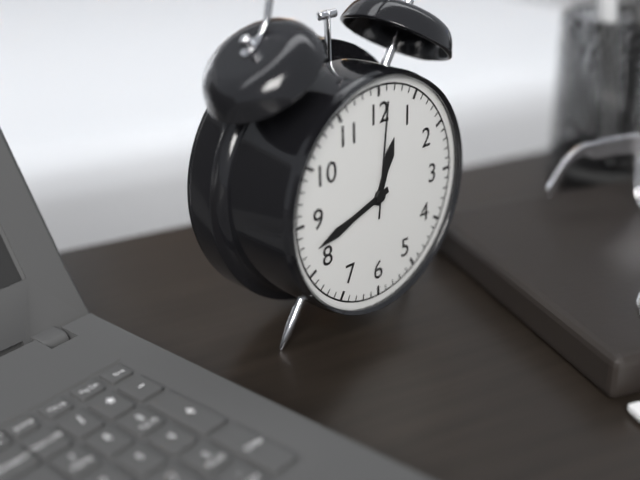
12:42:01
